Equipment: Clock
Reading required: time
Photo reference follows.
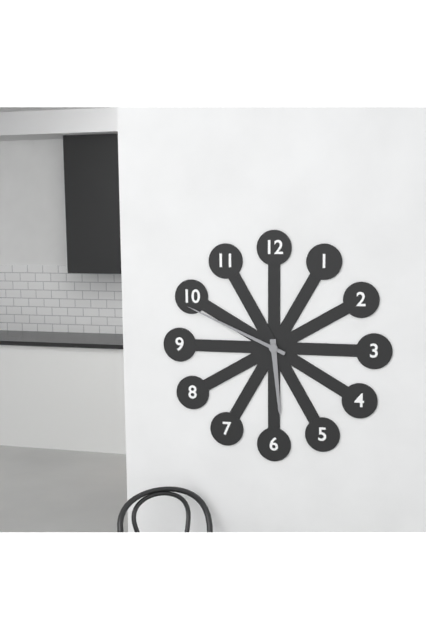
5:49
